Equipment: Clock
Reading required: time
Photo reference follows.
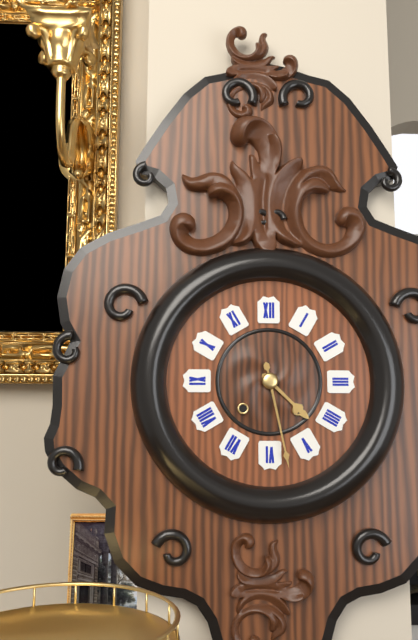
4:28
